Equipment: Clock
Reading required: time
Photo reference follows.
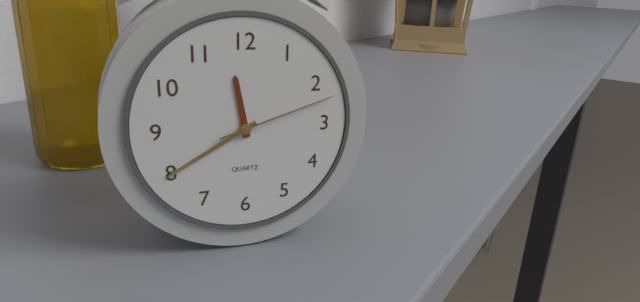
11:40:12
